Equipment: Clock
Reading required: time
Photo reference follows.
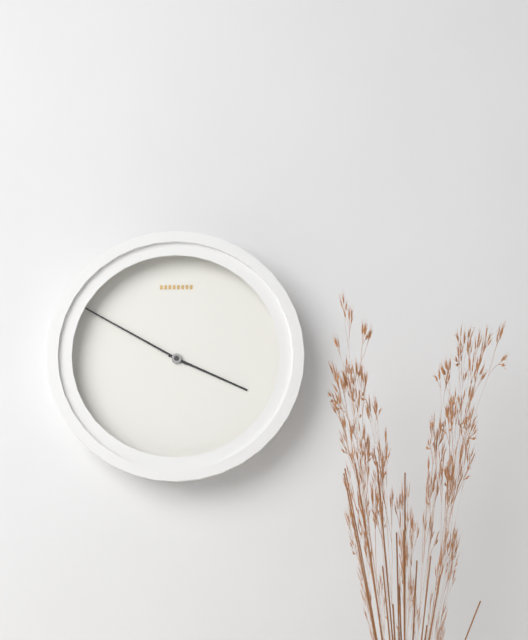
3:50
